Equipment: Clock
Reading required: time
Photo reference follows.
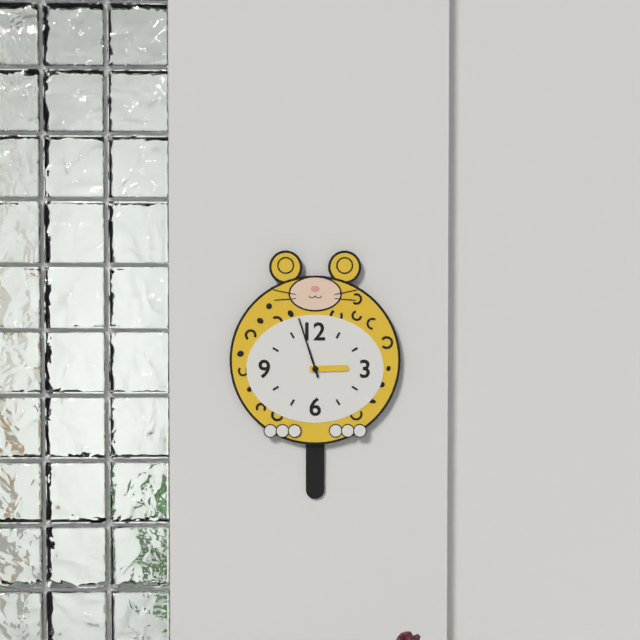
2:57
